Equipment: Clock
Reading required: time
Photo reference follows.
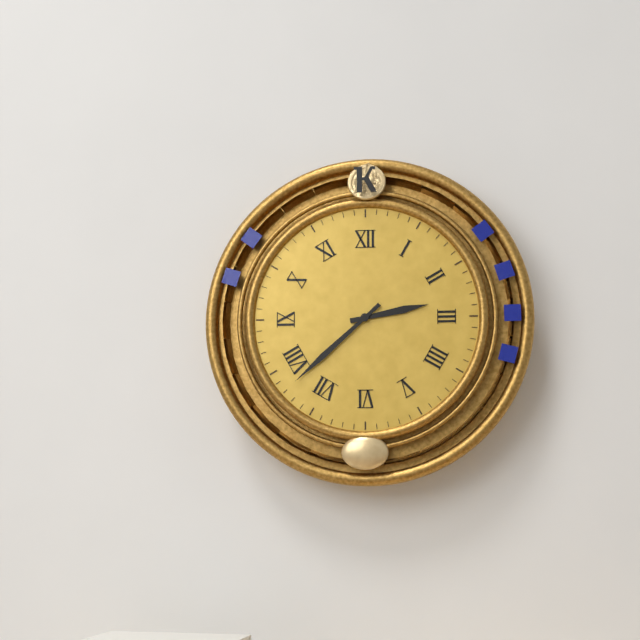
2:38
